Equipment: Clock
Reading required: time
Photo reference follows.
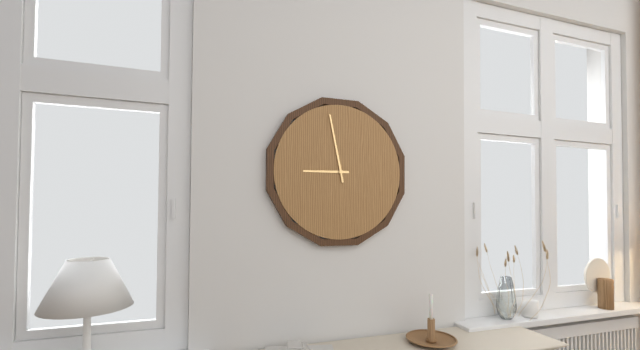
8:58
